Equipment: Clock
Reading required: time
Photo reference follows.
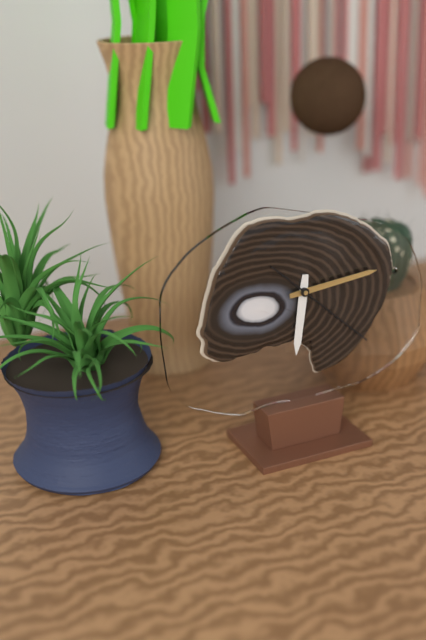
6:14:22
